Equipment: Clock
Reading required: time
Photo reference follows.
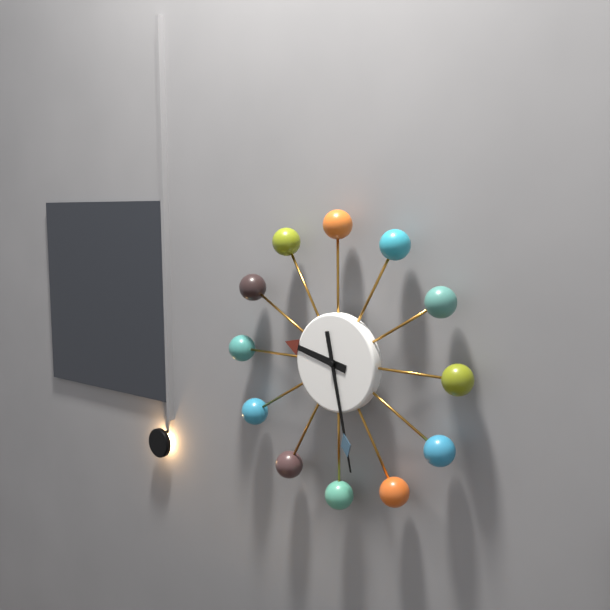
9:28
